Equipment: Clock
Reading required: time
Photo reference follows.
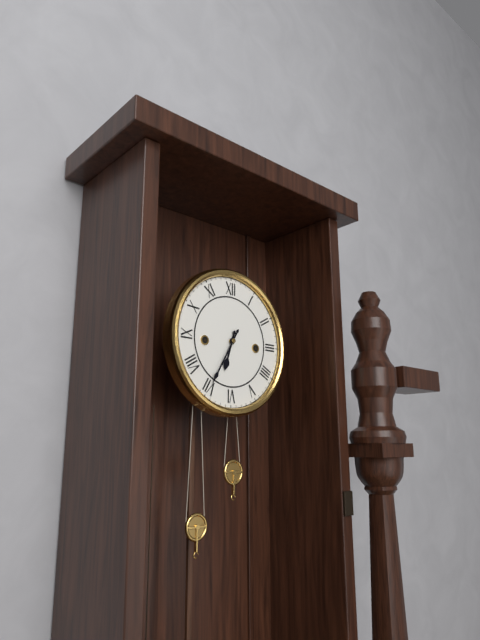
6:35
